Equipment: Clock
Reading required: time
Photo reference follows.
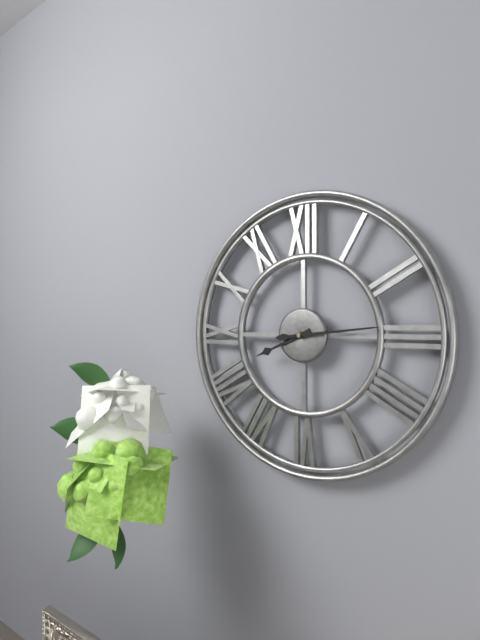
8:14
